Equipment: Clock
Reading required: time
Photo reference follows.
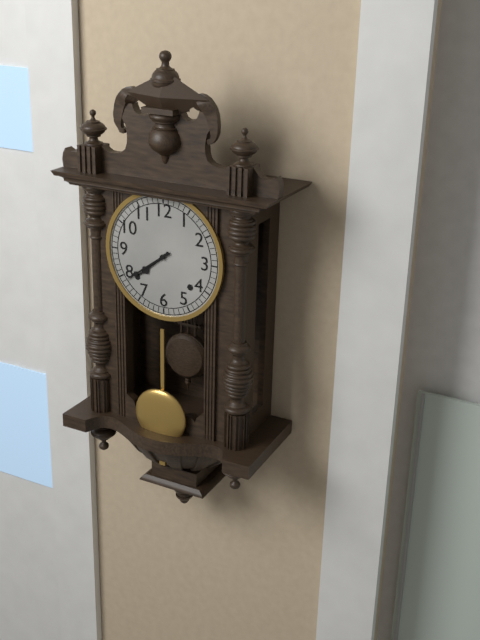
7:39
